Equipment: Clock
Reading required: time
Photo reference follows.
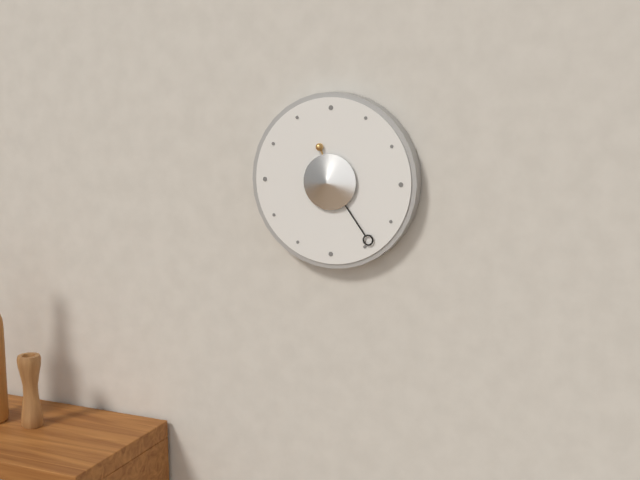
11:24
